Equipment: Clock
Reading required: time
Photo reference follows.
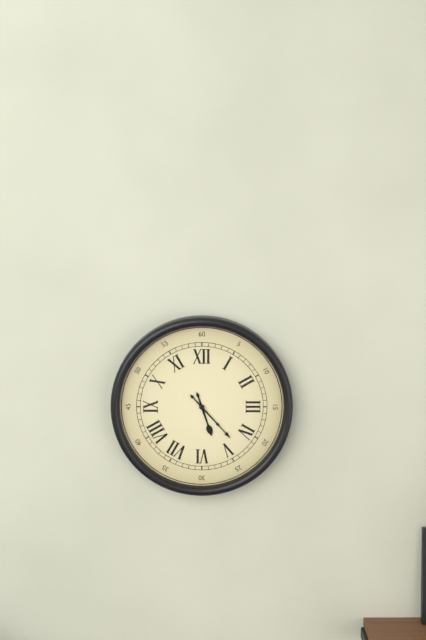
5:23
